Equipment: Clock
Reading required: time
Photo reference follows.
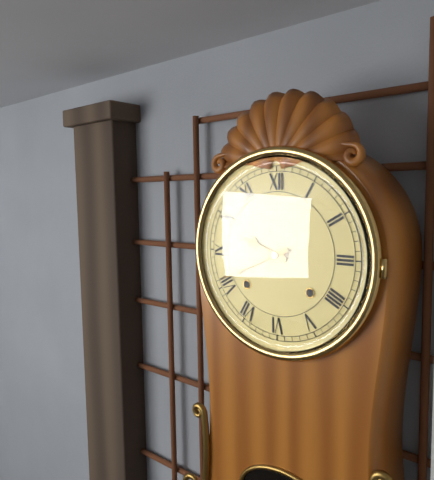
9:41
